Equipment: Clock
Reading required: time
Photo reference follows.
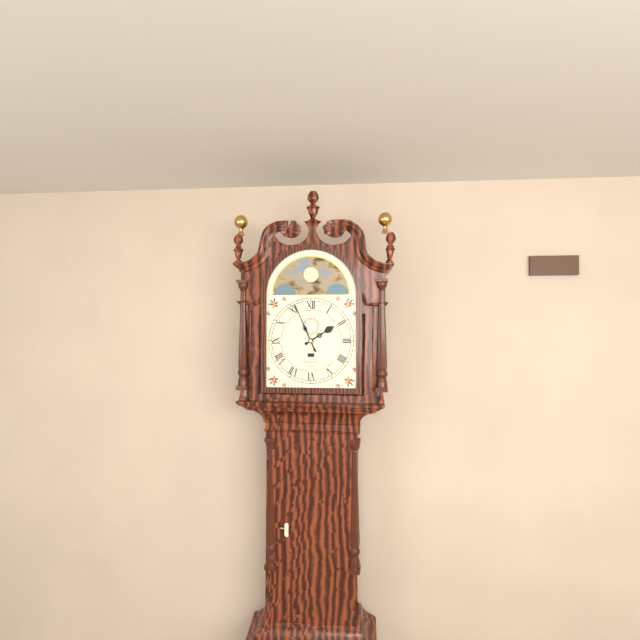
1:56
